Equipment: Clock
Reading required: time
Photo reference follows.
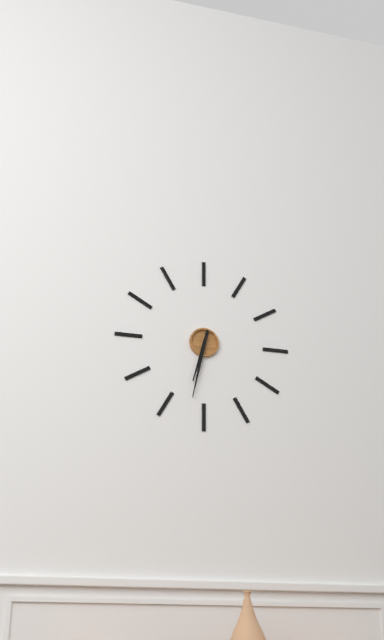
6:32
